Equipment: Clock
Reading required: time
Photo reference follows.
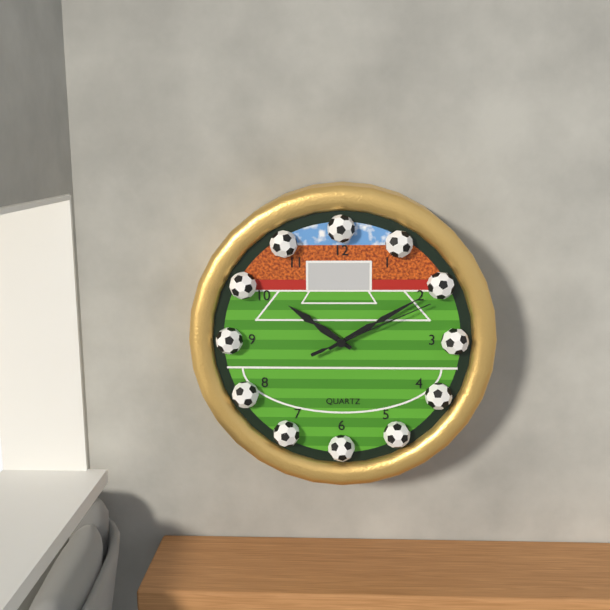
10:10:11
